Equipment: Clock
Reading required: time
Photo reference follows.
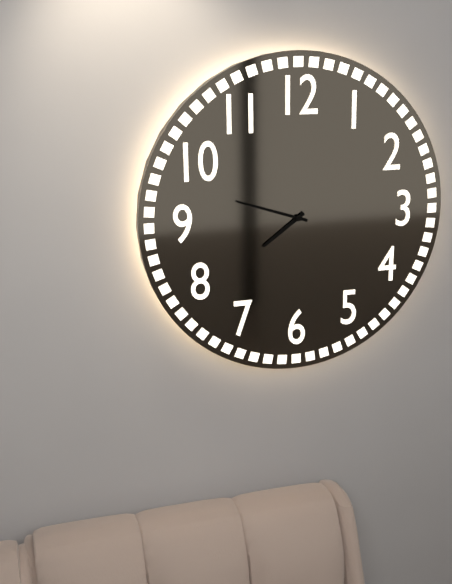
7:48
